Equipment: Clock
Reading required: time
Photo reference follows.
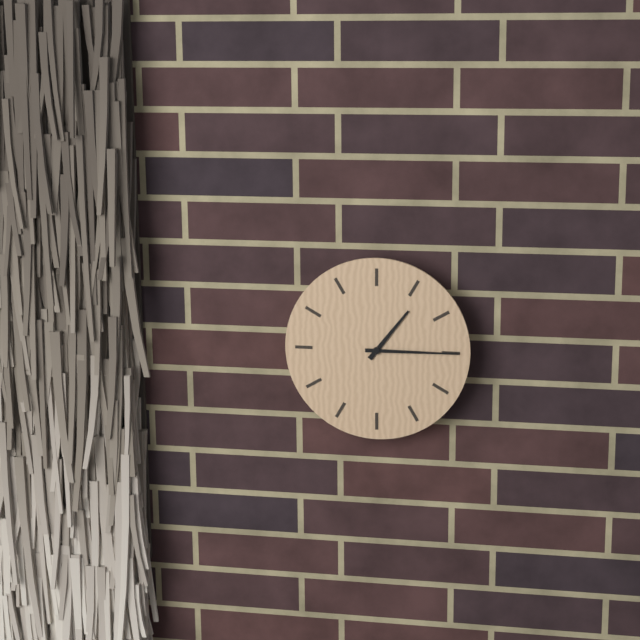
1:15
